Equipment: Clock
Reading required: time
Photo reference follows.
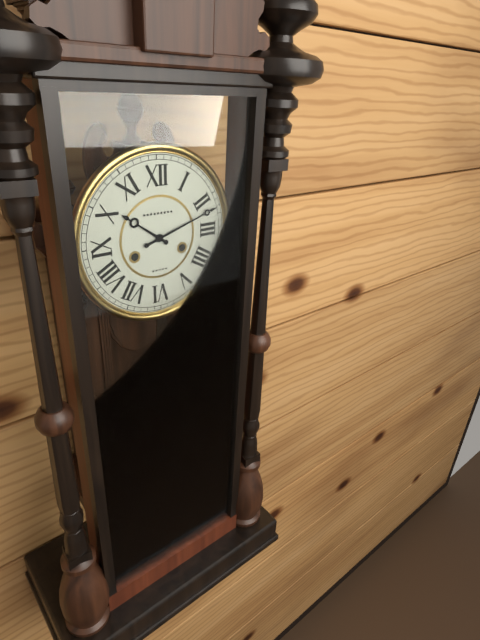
10:12
